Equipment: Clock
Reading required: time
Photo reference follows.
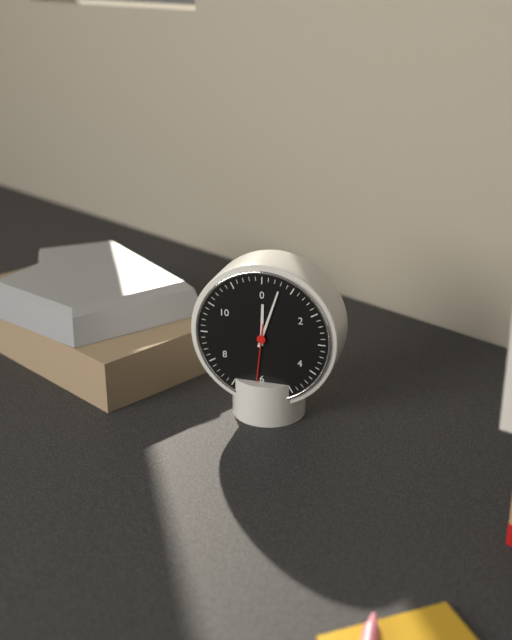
12:03:31
